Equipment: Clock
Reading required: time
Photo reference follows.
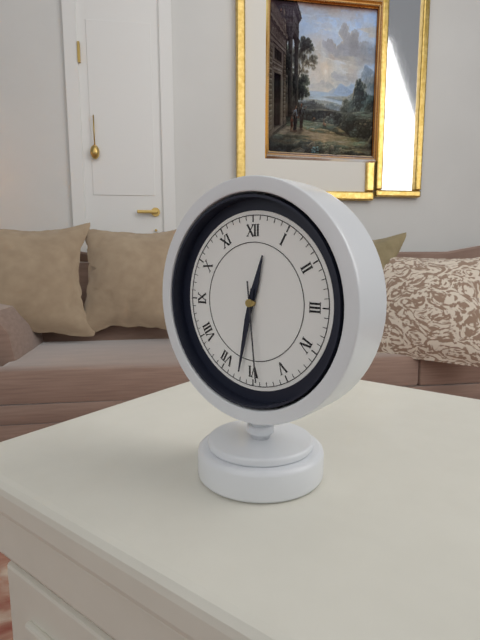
12:32:29
